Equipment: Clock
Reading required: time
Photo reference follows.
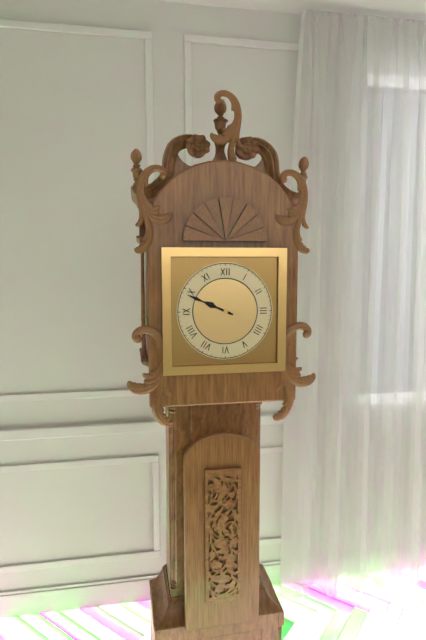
9:49
